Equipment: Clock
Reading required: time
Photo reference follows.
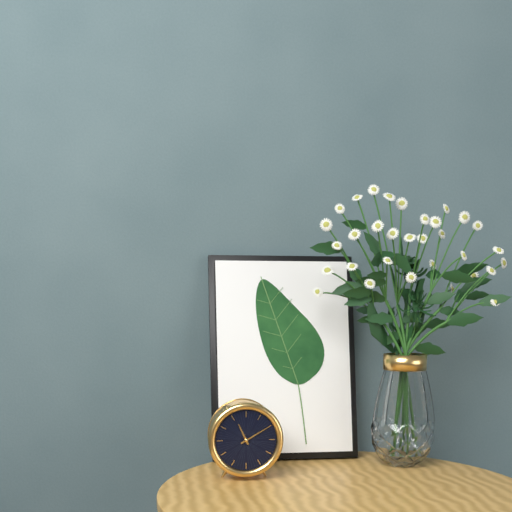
11:10
